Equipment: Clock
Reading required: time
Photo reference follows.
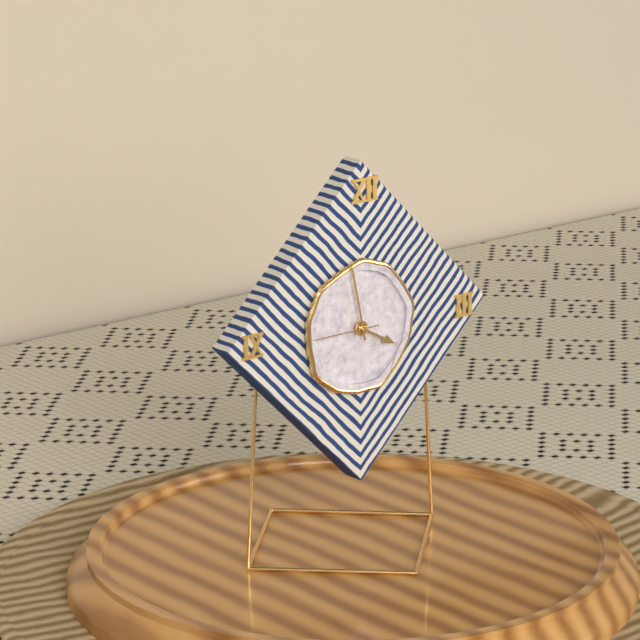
3:58:45
